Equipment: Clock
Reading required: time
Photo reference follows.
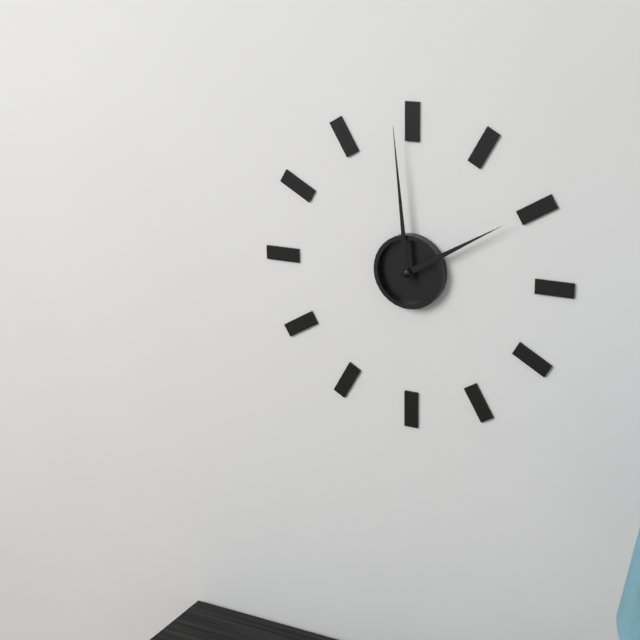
1:59
